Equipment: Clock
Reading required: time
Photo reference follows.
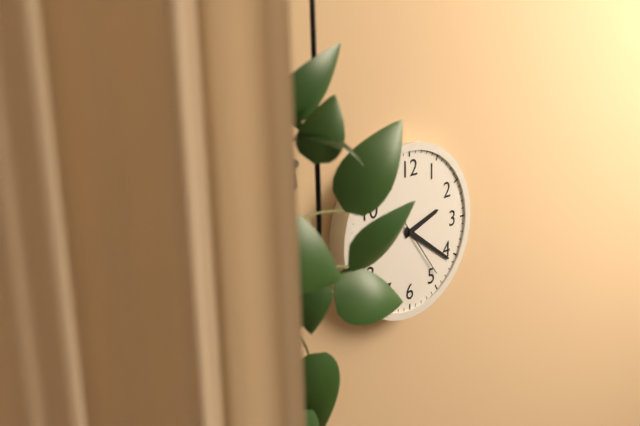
2:21:24
